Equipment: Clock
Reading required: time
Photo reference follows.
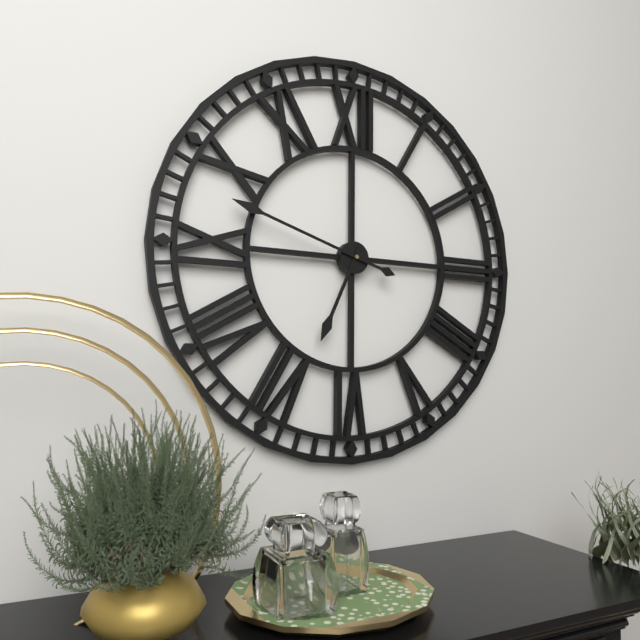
6:48
